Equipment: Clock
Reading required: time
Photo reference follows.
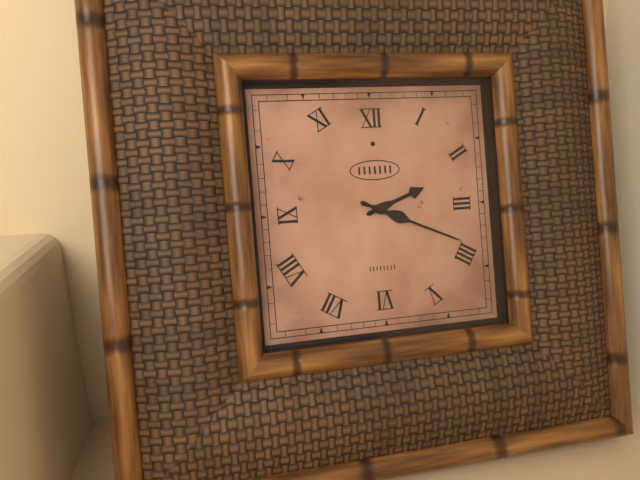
2:19
